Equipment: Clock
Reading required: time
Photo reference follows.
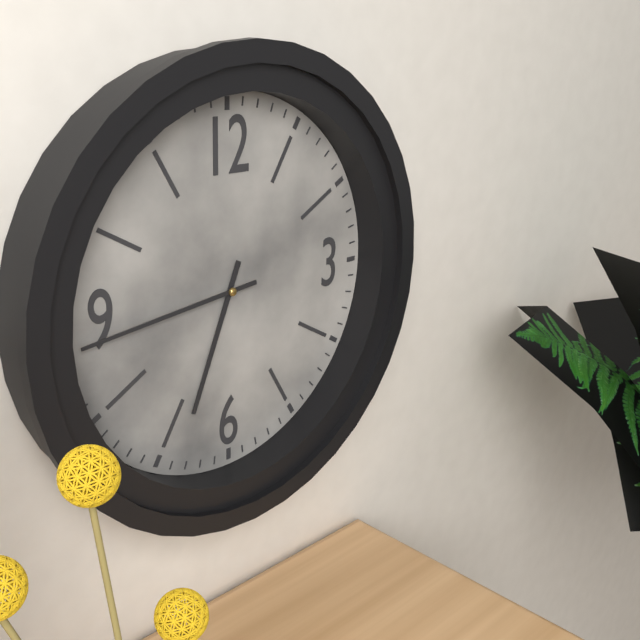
6:44
